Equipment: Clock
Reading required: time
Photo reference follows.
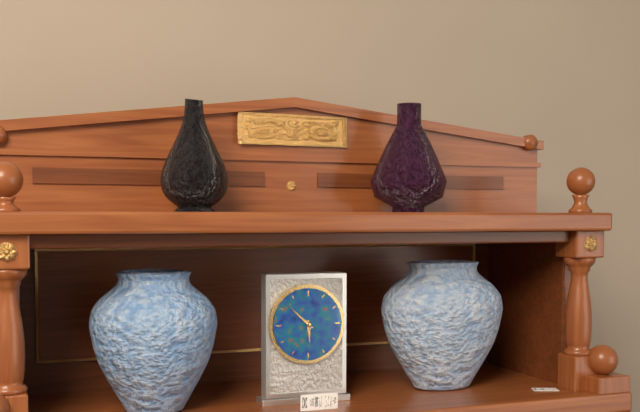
5:52
